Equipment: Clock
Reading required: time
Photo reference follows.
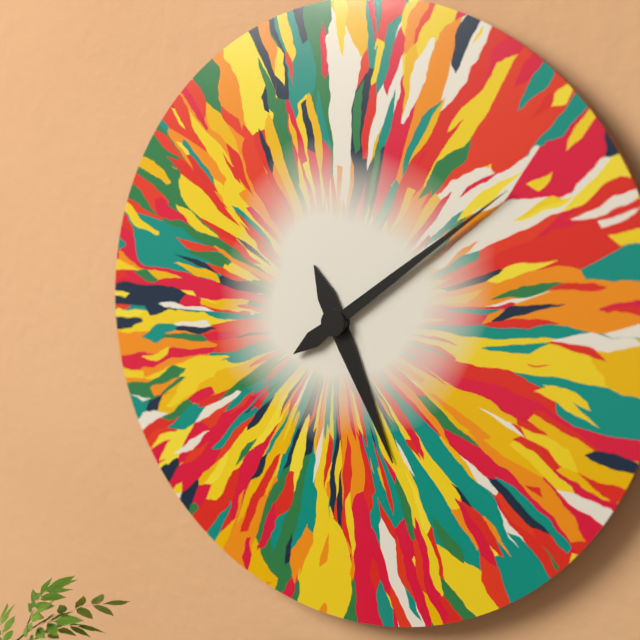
5:09
